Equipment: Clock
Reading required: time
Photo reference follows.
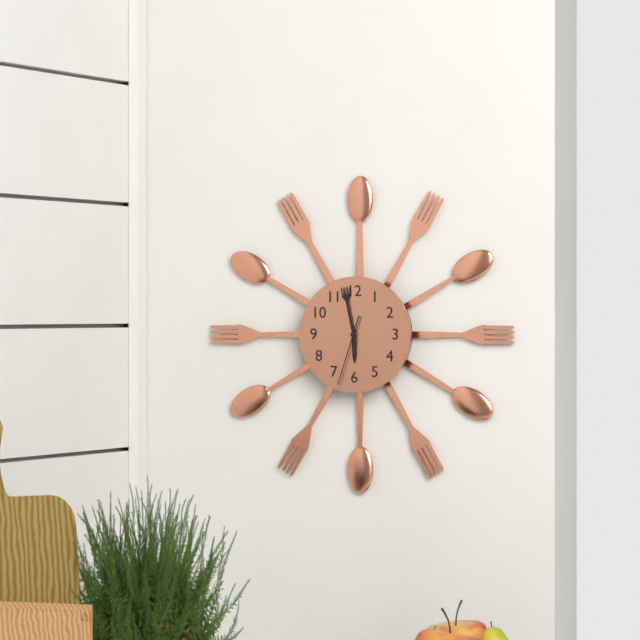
5:58:33
